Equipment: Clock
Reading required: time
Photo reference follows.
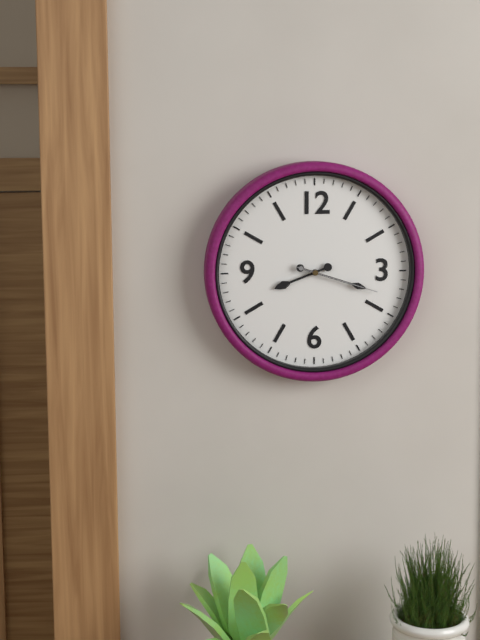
8:18:18
